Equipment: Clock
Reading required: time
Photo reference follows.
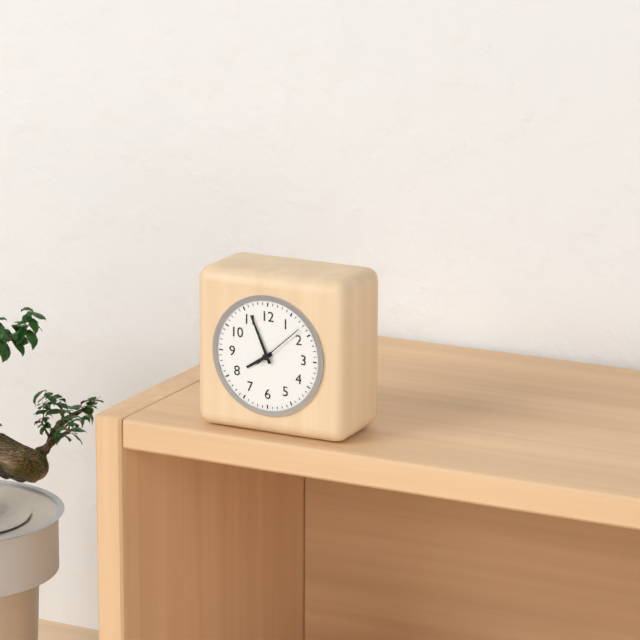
7:56:08
